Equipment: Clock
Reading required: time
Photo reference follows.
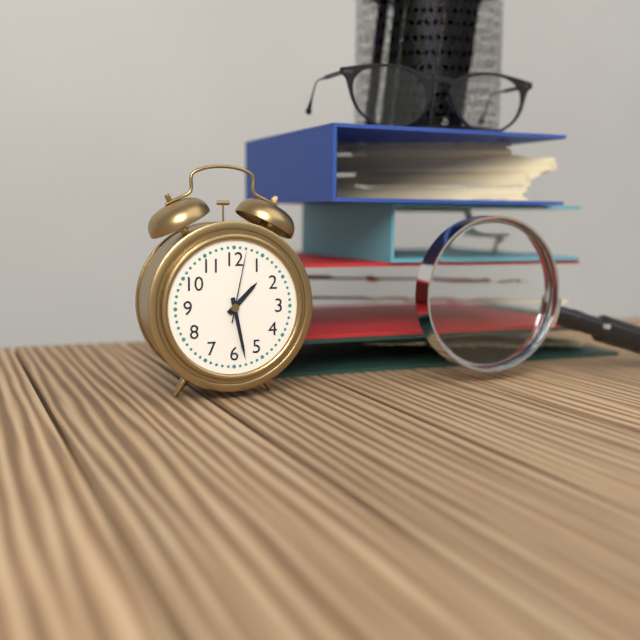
1:28:02
